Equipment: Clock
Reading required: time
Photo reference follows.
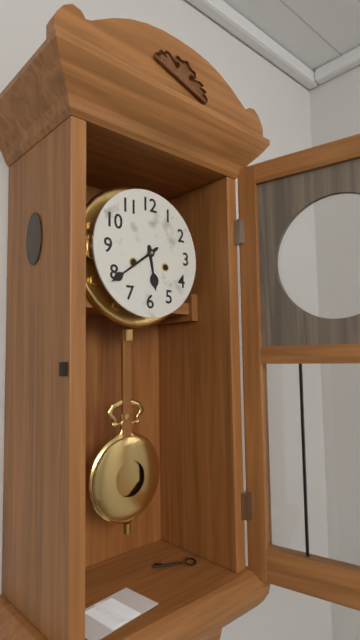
5:39
